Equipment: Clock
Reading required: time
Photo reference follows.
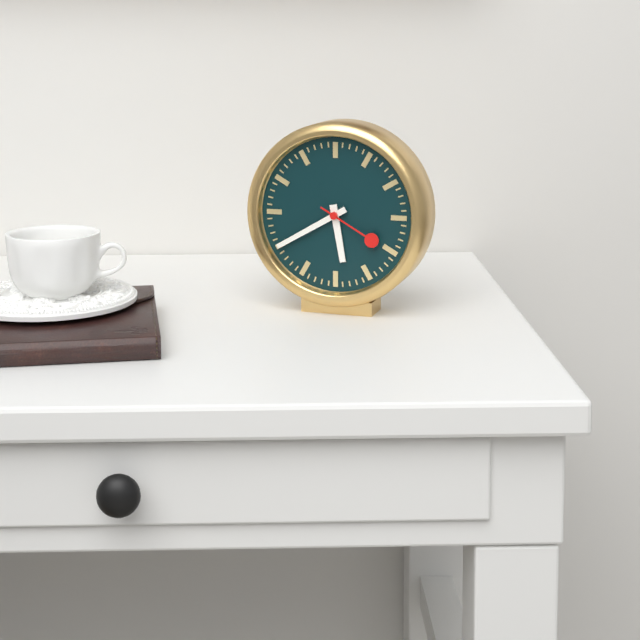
5:40:20
